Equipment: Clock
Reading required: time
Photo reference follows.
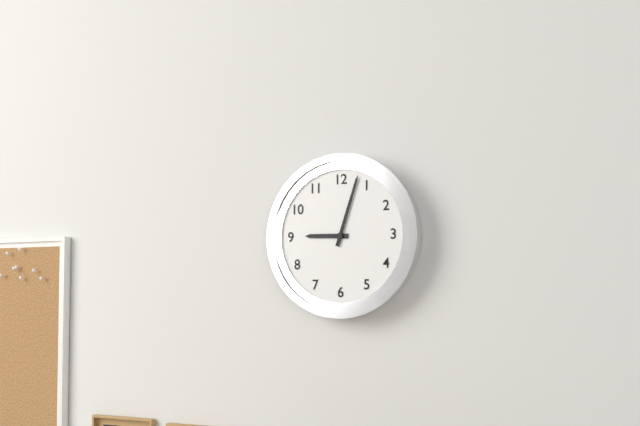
9:03
